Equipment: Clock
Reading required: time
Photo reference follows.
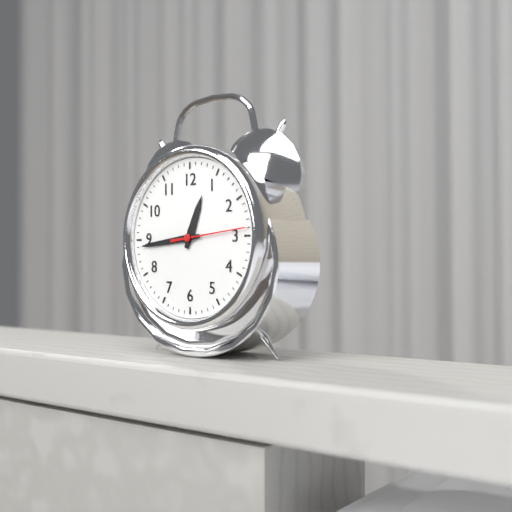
12:44:14
